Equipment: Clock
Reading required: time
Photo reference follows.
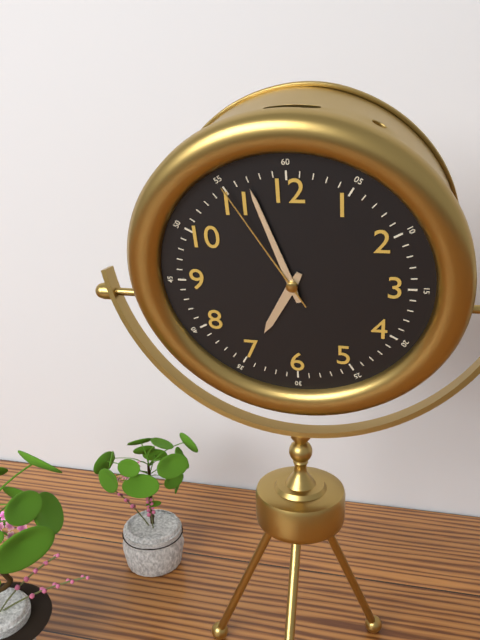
6:57:55
